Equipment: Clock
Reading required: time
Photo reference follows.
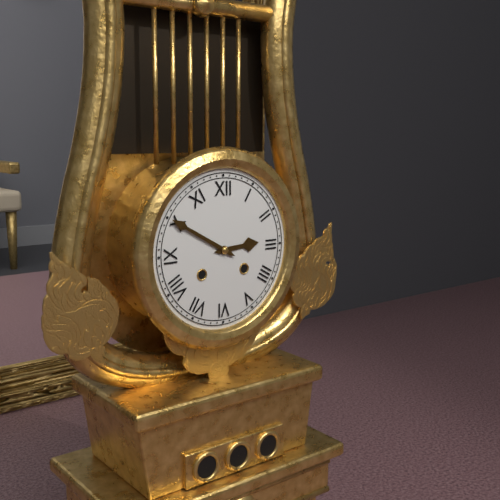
2:50
